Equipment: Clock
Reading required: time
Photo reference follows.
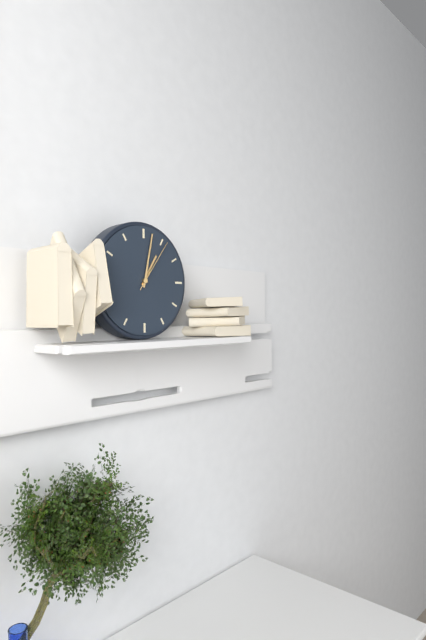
1:02:06
